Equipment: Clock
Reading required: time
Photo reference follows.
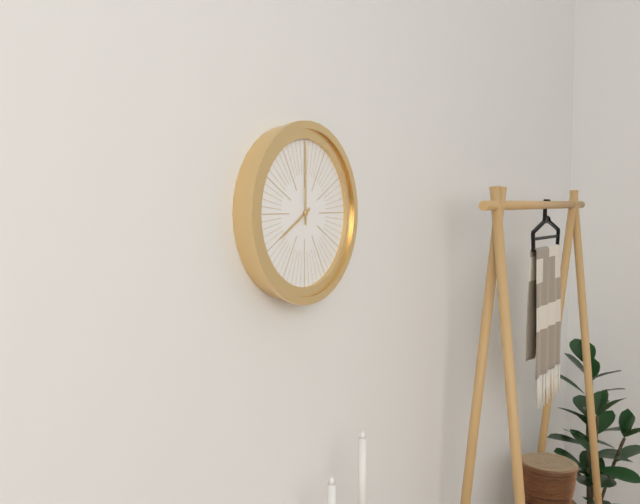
8:00
